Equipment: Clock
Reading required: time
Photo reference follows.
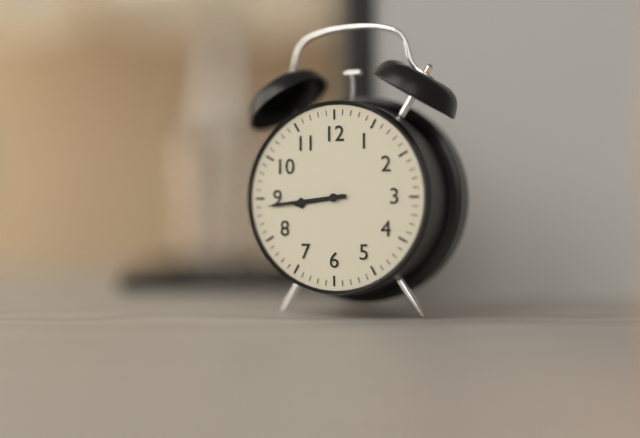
8:44
